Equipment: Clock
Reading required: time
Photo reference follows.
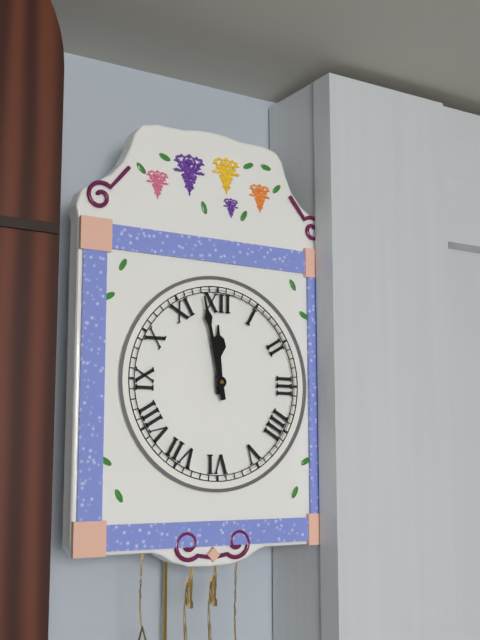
11:58
